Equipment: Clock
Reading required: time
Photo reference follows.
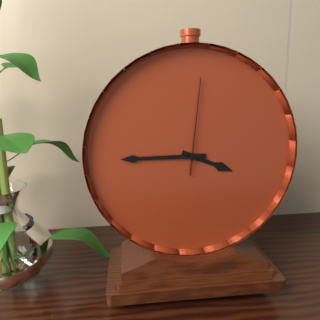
3:45:01
